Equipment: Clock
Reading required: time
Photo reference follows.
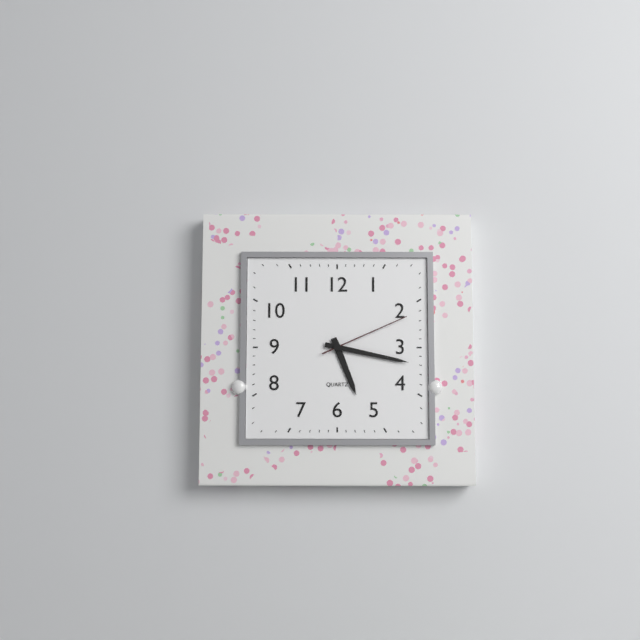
5:17:11
